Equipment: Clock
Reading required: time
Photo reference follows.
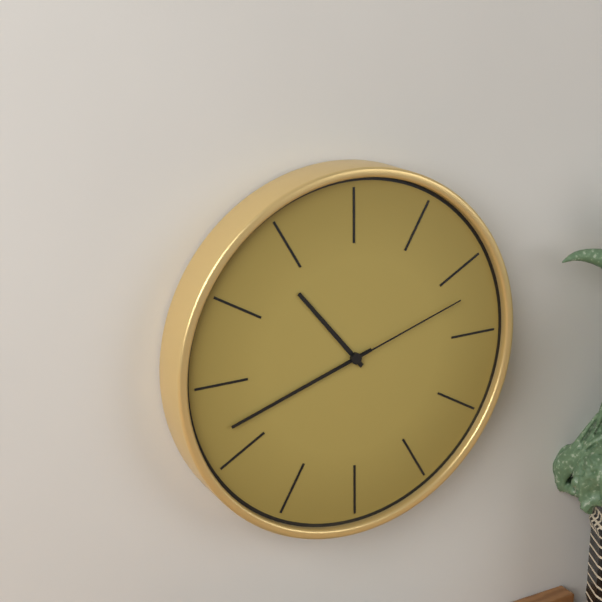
10:42:12
